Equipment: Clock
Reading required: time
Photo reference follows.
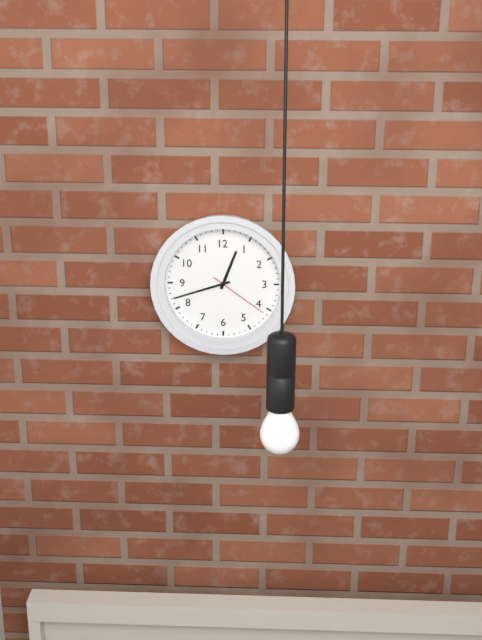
12:42:21
